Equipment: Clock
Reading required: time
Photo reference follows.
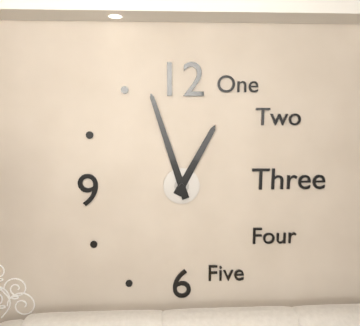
12:57
